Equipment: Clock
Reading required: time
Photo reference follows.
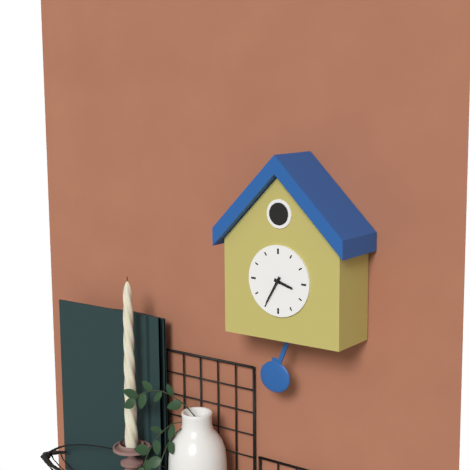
3:35
